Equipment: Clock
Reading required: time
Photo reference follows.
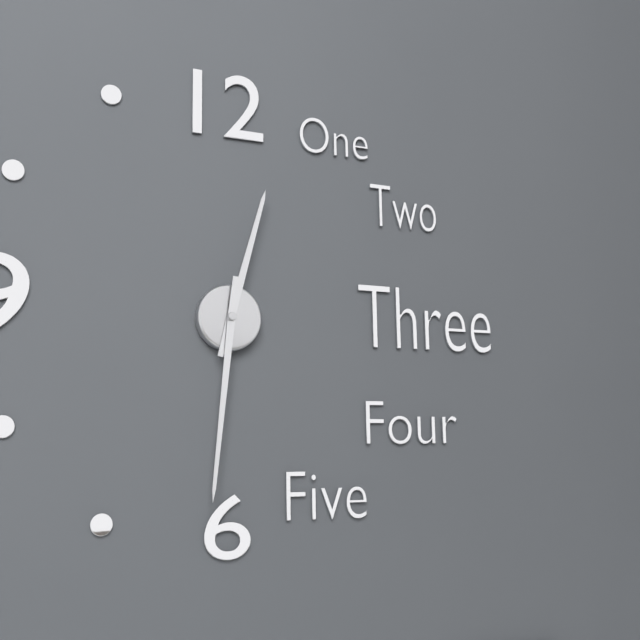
12:31
